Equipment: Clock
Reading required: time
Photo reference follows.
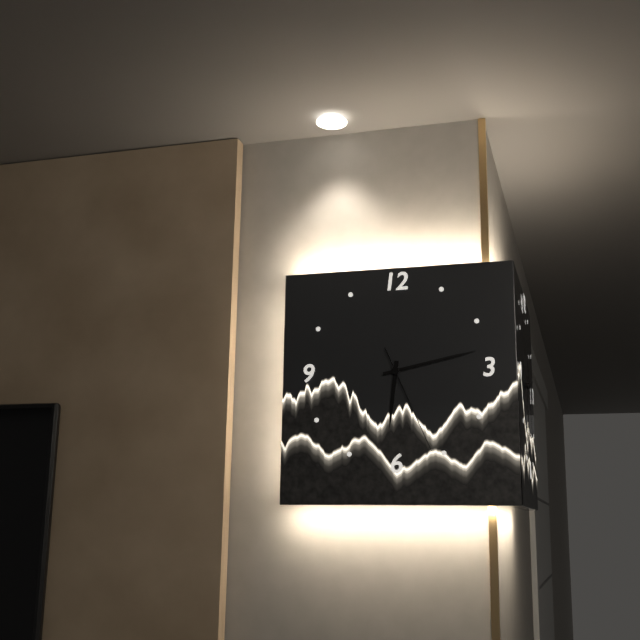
6:13:26
